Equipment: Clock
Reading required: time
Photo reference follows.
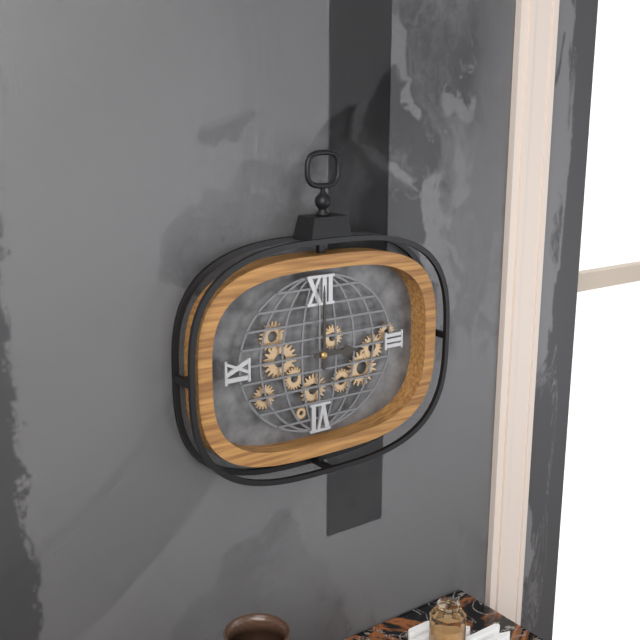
3:00
